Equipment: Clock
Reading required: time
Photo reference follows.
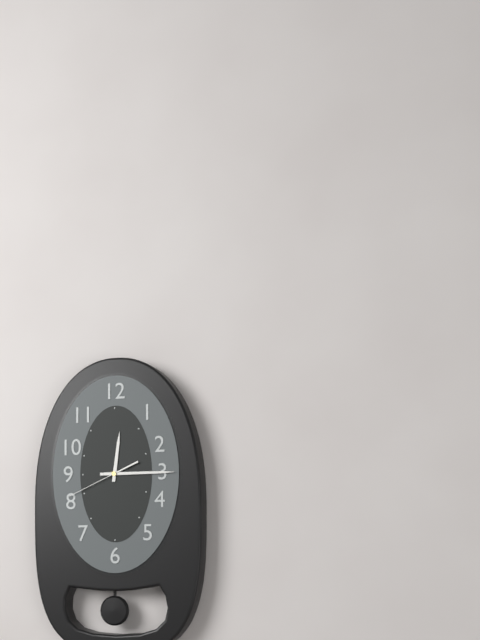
12:15:41
